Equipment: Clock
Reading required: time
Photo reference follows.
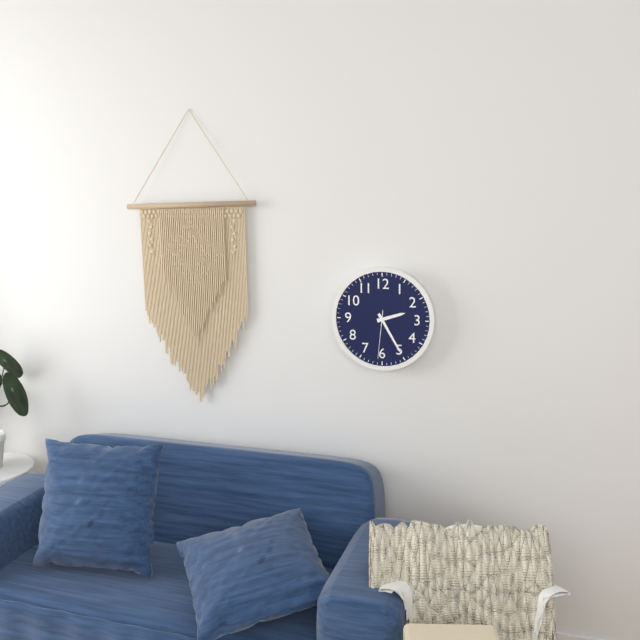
2:25:31
